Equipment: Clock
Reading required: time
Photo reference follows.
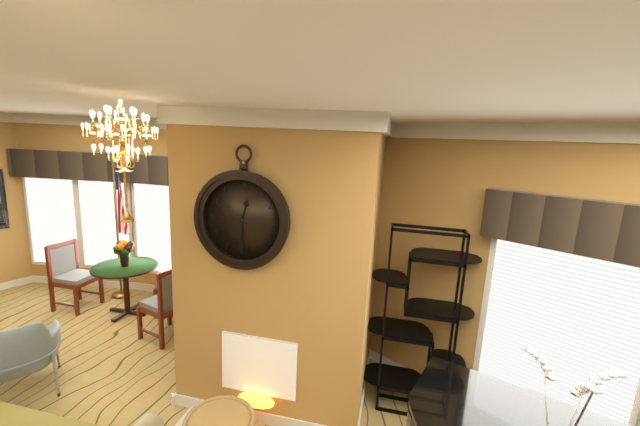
12:30
